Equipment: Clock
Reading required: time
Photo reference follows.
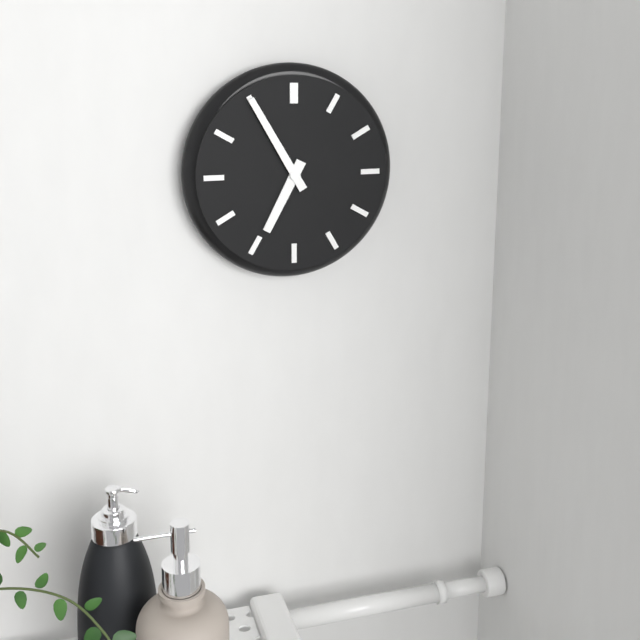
6:55
